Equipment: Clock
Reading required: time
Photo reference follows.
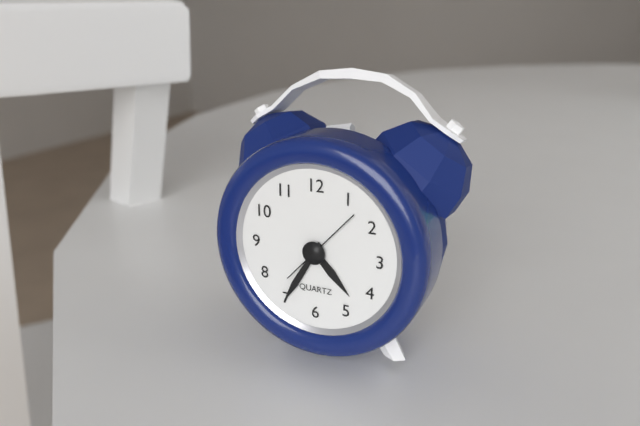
4:35:07
